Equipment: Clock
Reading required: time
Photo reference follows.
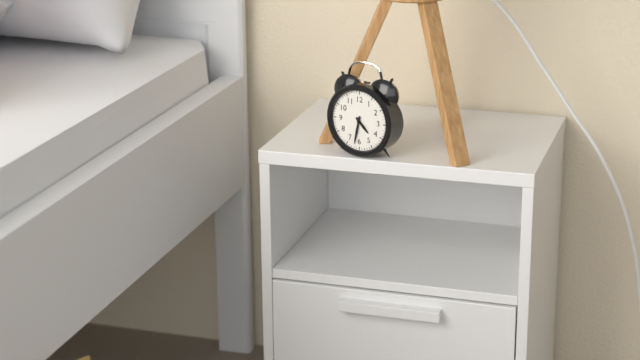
4:32
